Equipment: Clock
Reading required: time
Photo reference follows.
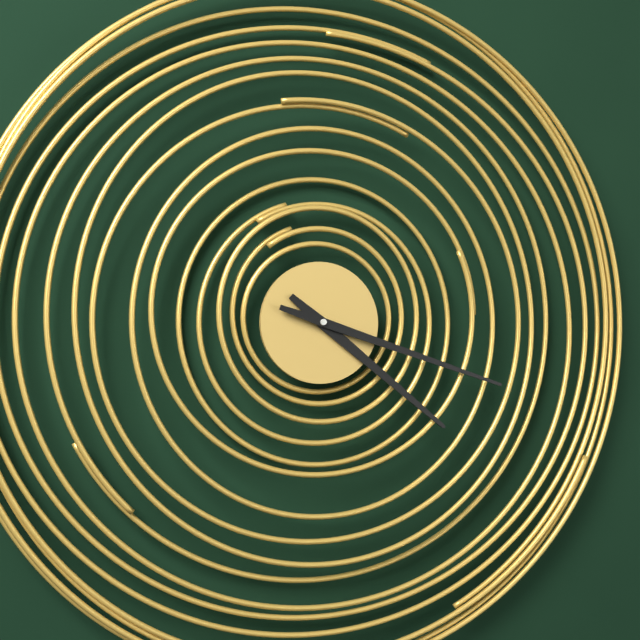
4:18
